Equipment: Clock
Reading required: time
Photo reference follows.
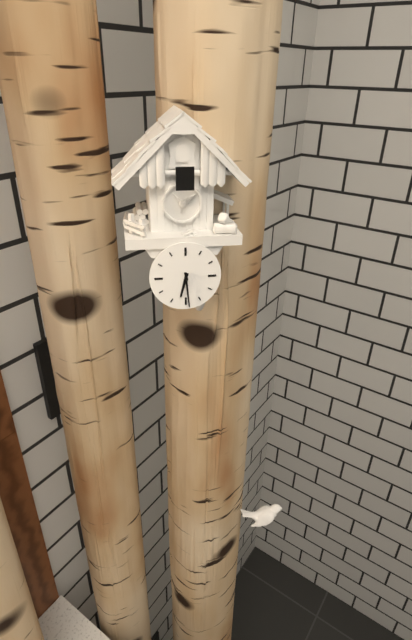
6:29
